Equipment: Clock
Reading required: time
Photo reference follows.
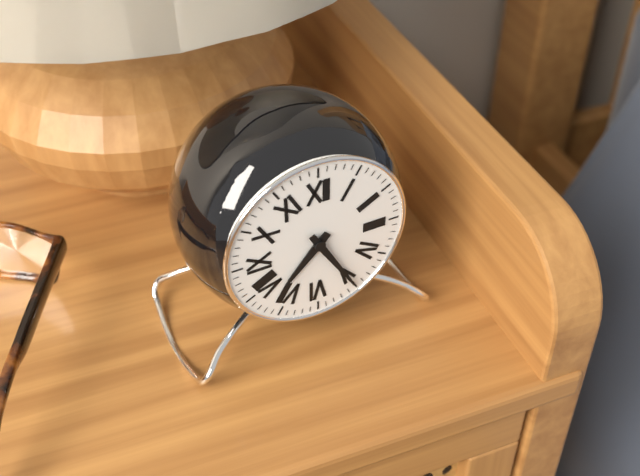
7:25
